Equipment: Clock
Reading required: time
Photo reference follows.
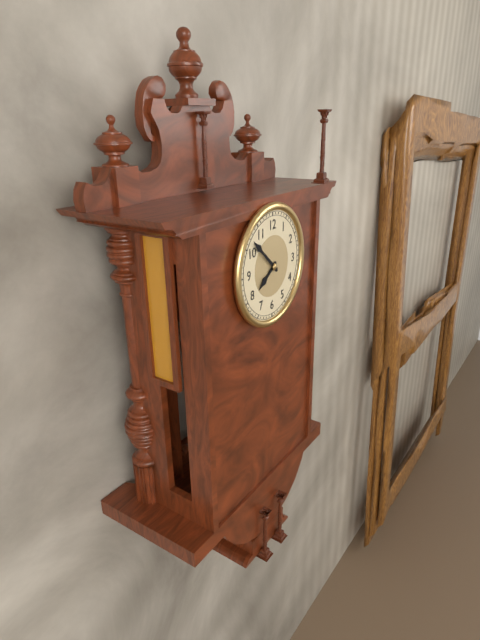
7:52
